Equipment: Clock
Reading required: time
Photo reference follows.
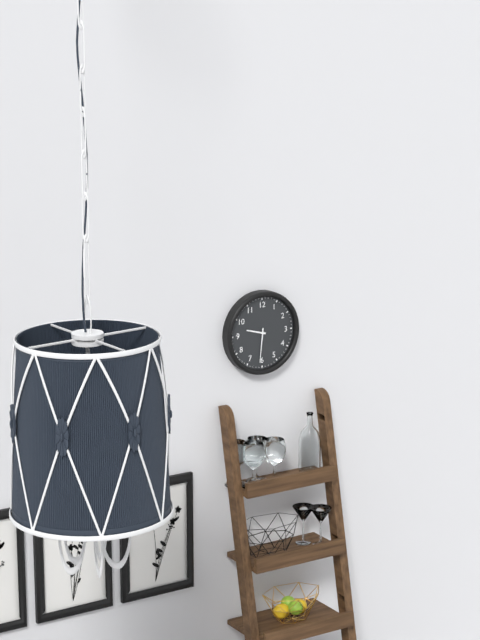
9:31
